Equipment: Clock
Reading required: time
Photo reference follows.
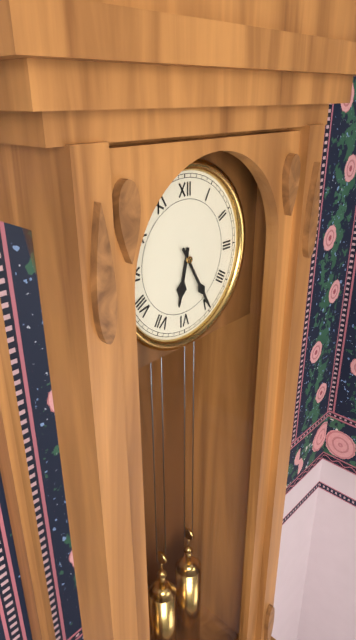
6:25
